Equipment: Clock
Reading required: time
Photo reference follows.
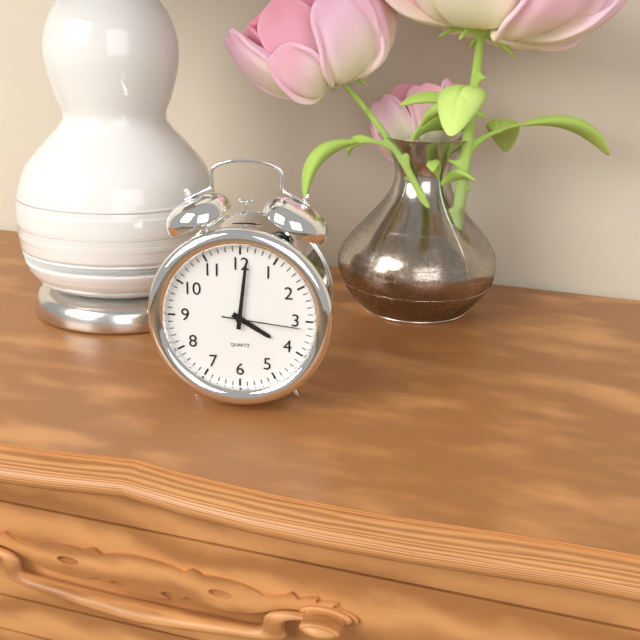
4:01:16
